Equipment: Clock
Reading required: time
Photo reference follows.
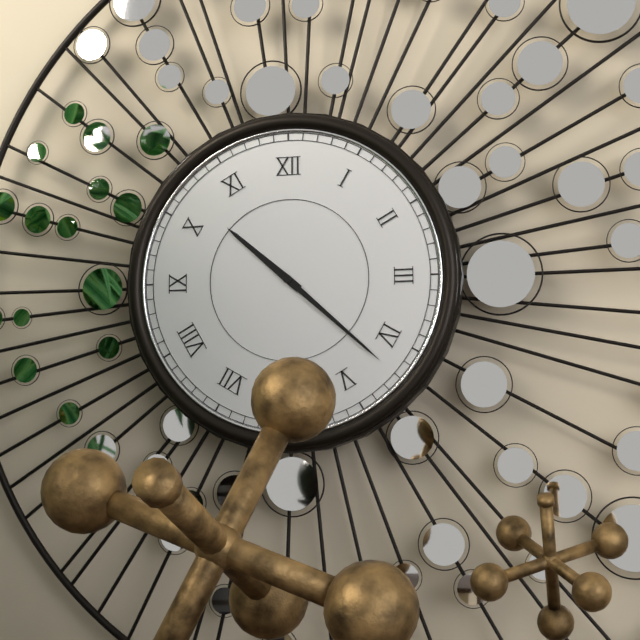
10:22
